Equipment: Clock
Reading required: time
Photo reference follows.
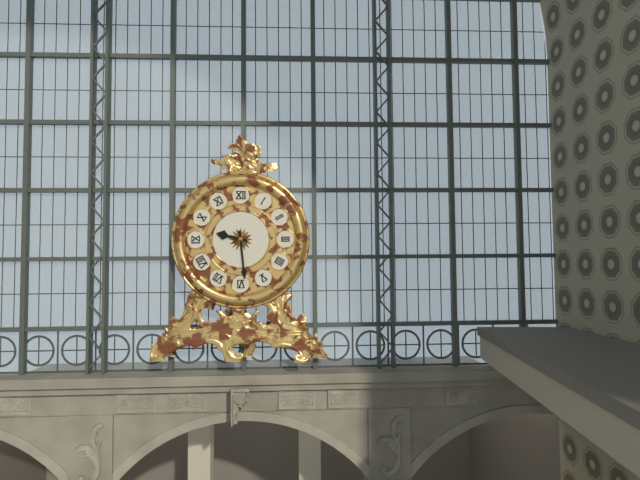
9:29
